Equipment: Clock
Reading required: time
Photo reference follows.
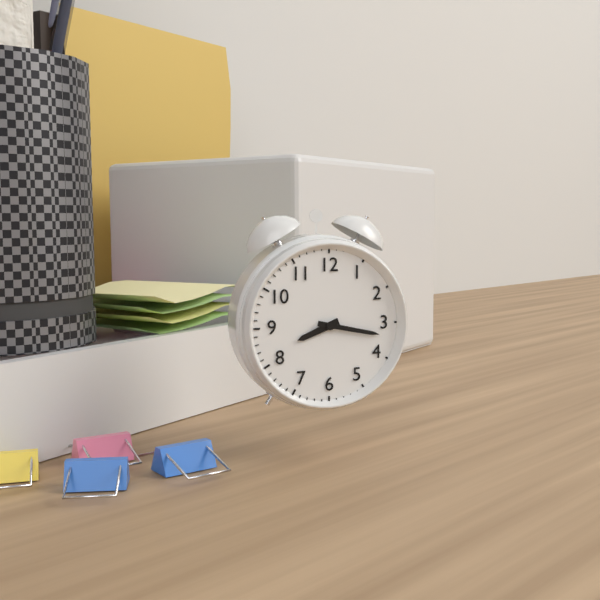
8:17
